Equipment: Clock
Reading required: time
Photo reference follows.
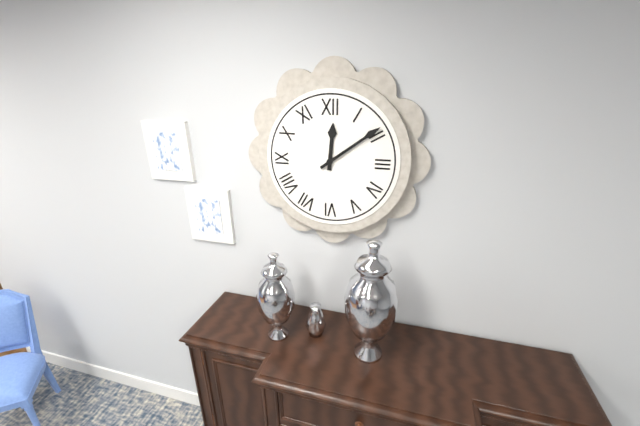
12:09
